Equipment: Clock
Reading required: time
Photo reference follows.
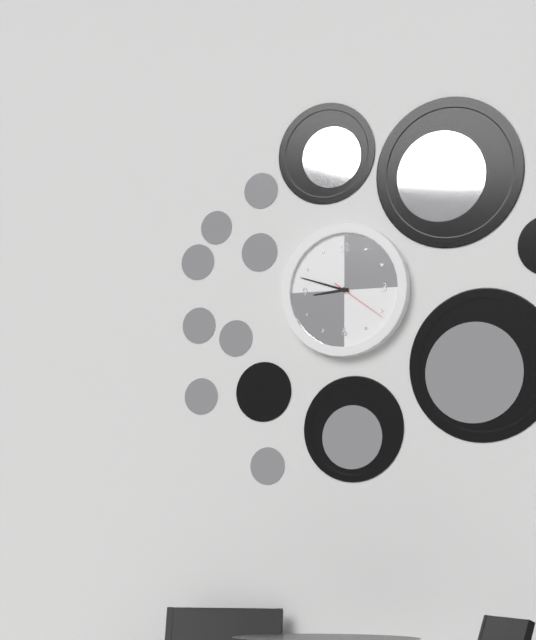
8:48:21
